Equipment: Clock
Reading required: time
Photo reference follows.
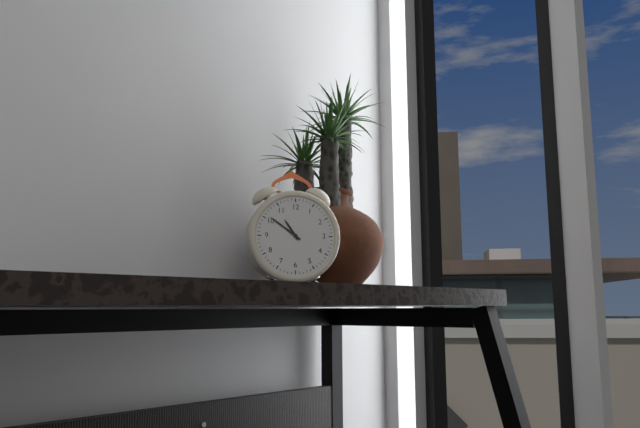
10:51
